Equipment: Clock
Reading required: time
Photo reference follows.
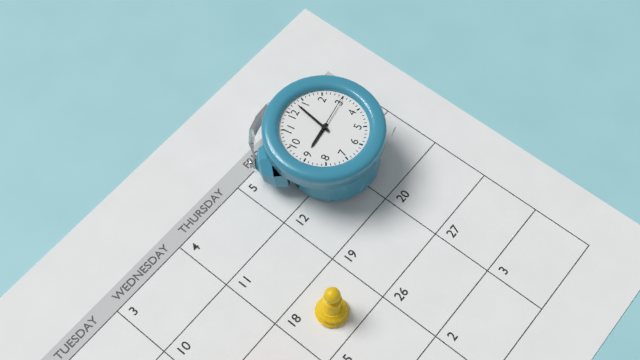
9:03
